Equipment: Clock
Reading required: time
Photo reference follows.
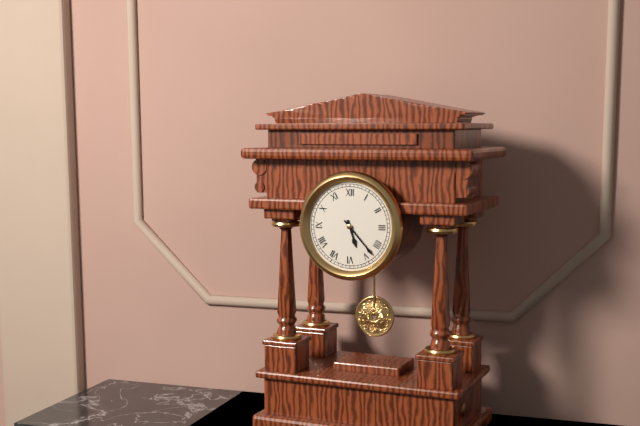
5:23
